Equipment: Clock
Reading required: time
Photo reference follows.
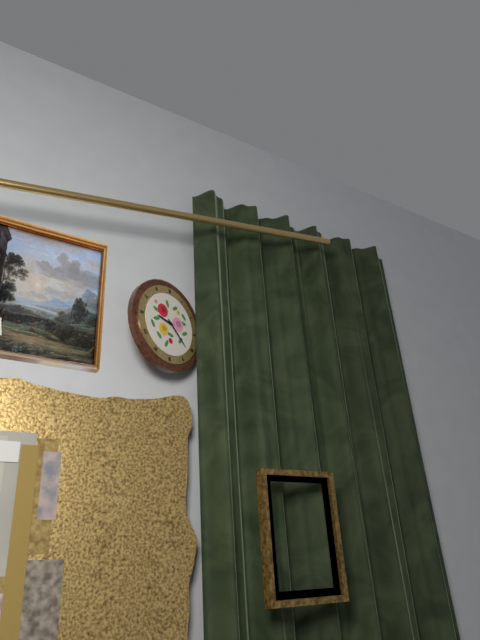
9:22
